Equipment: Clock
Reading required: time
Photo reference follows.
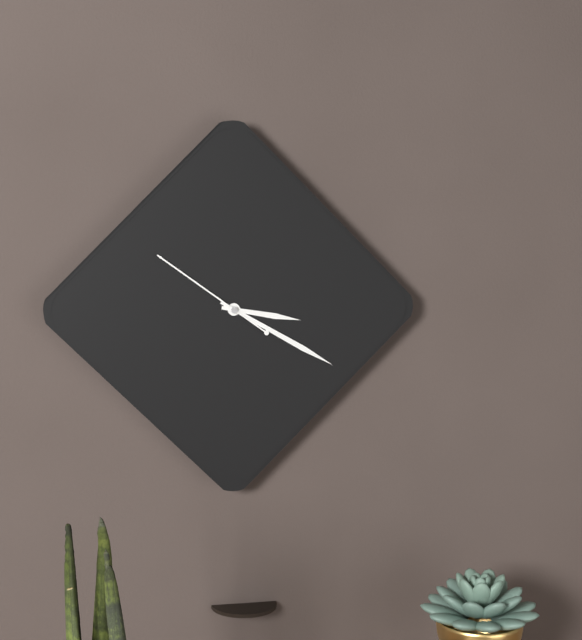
3:20:51
